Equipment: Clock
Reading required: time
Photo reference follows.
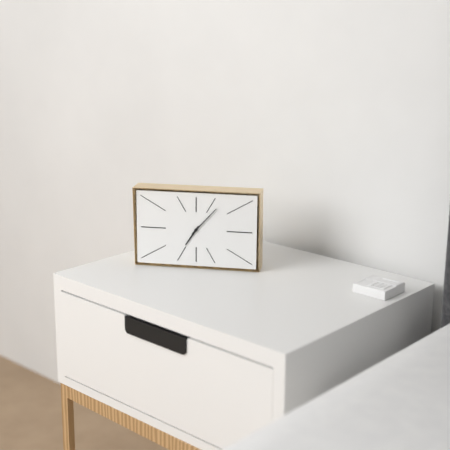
7:07
